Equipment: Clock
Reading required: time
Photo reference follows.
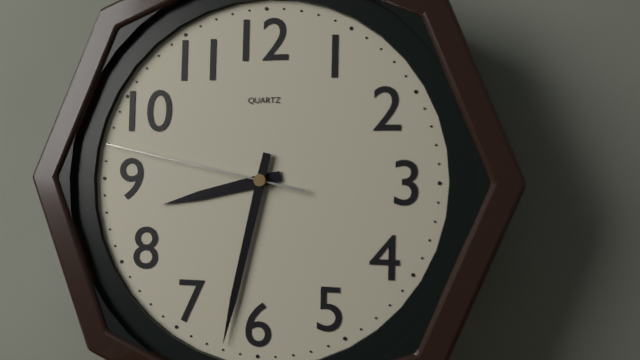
8:32:47
